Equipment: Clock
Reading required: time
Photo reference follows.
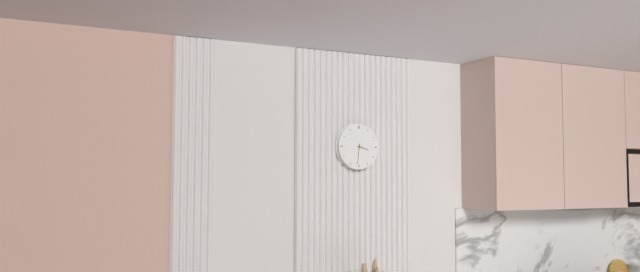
3:31
